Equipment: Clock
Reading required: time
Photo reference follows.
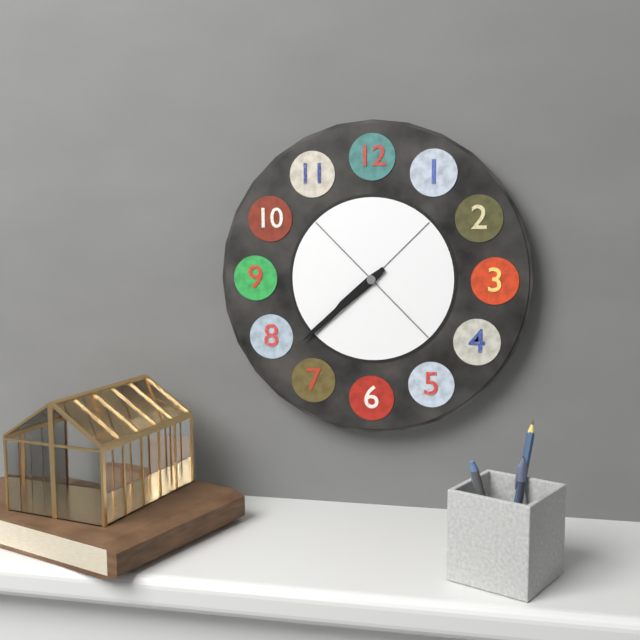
7:38
